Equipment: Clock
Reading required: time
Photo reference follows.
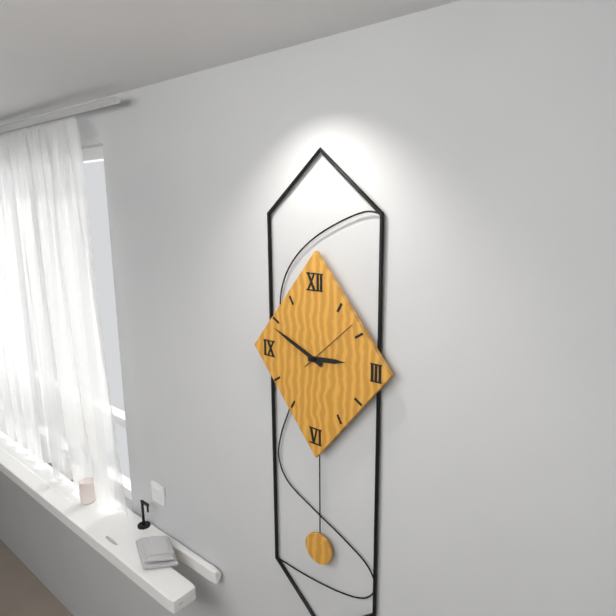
2:49:08
